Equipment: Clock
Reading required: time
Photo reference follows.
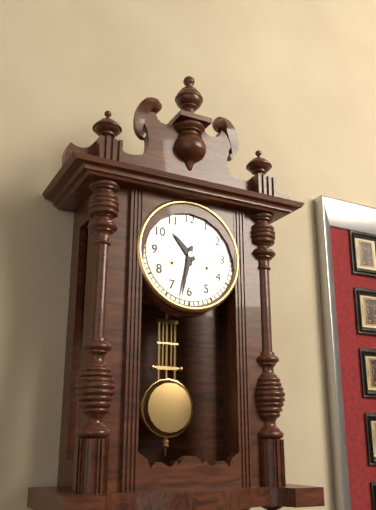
10:32
